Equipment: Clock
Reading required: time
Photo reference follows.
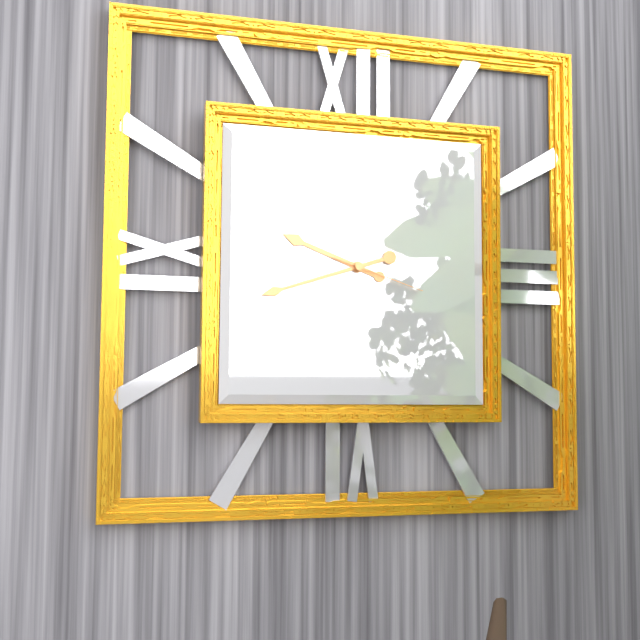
9:42:18
